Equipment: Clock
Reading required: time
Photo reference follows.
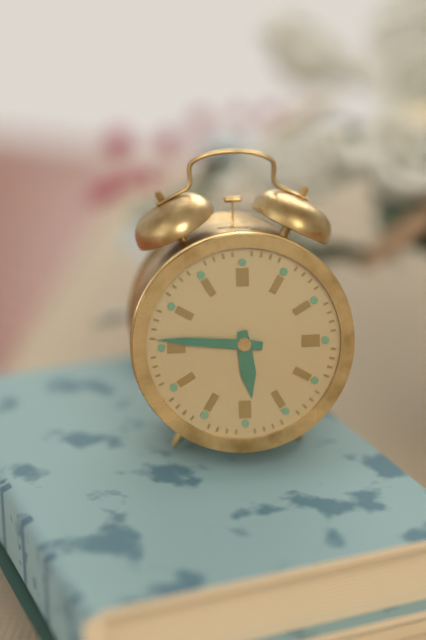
5:46
